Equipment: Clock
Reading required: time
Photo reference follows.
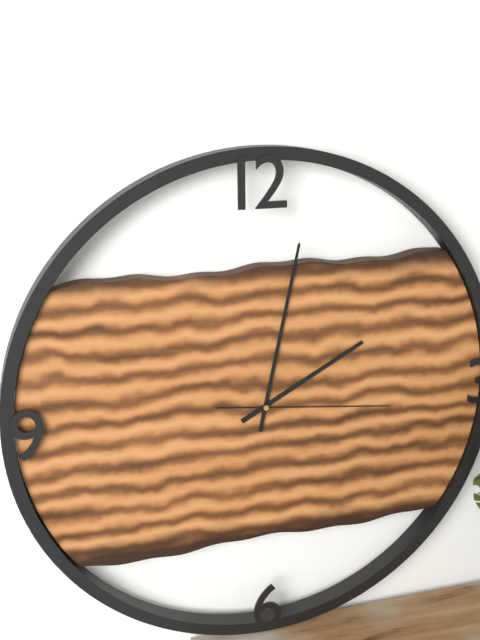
2:02:16
